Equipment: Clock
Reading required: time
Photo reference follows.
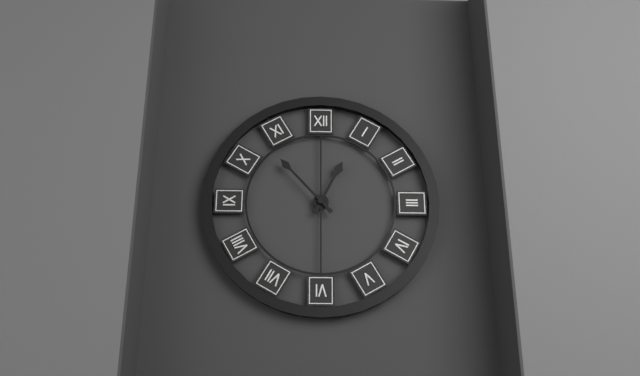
12:53
